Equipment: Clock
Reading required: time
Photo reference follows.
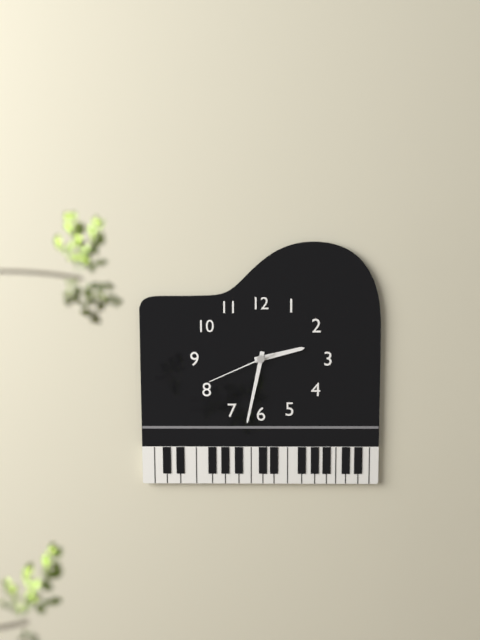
2:32:41
